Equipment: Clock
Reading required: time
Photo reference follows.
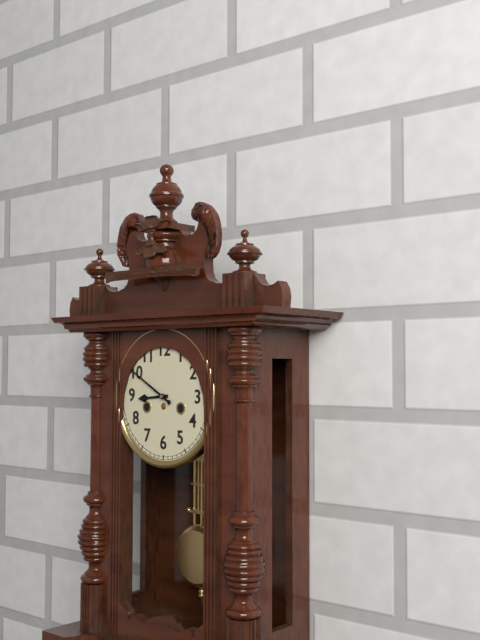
8:50
